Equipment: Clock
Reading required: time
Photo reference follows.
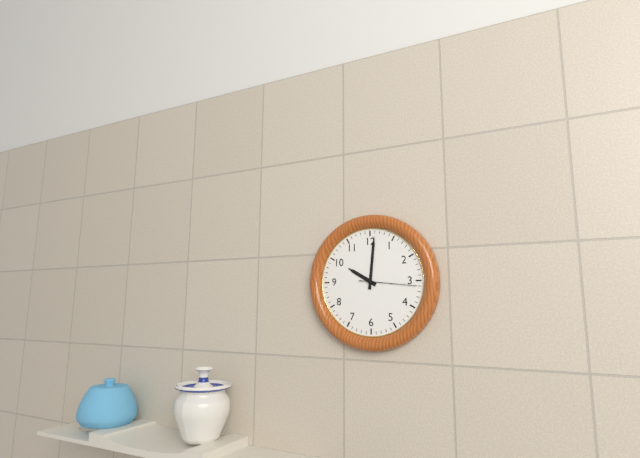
10:01:16
